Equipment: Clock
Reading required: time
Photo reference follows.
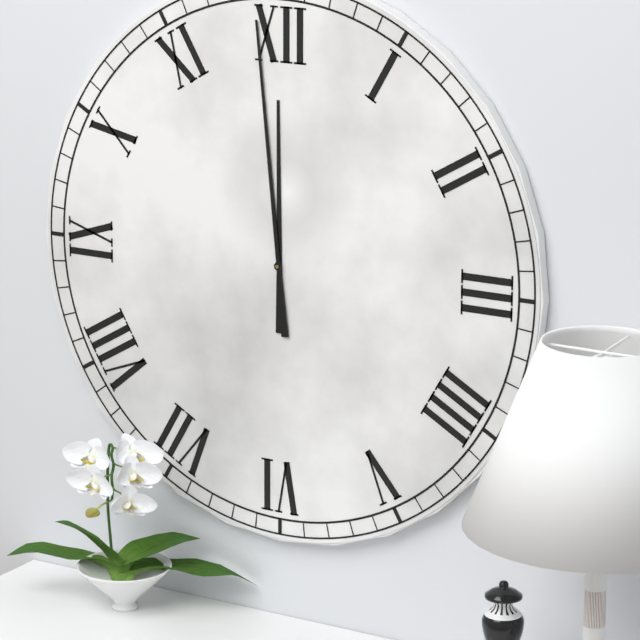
11:59
